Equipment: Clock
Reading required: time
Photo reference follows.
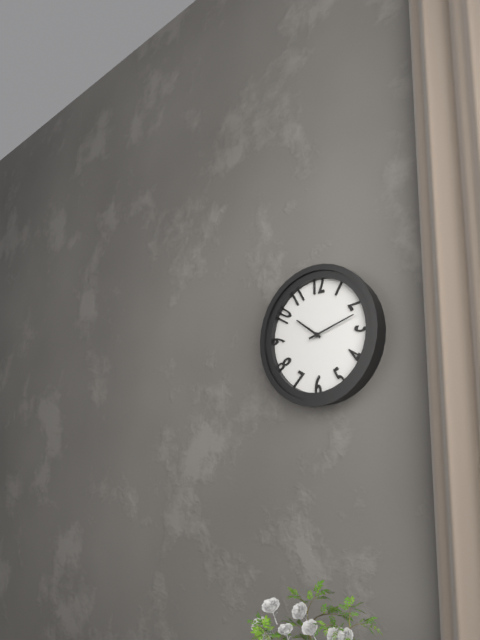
10:12
